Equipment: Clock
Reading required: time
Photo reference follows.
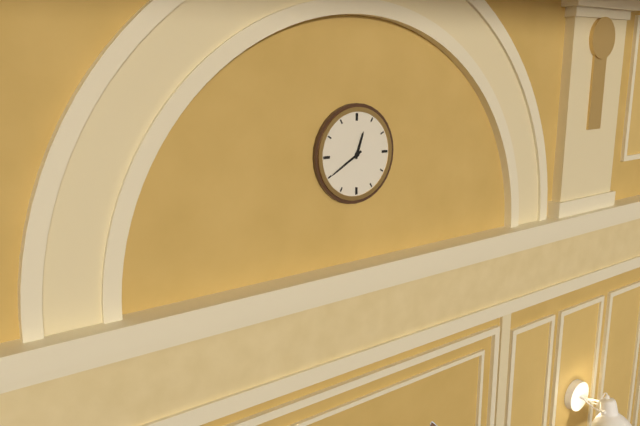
12:40
